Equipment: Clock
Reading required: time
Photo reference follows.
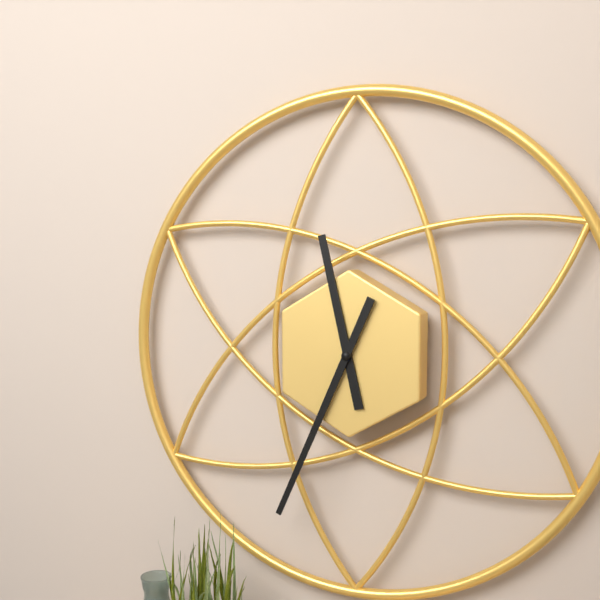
11:34
